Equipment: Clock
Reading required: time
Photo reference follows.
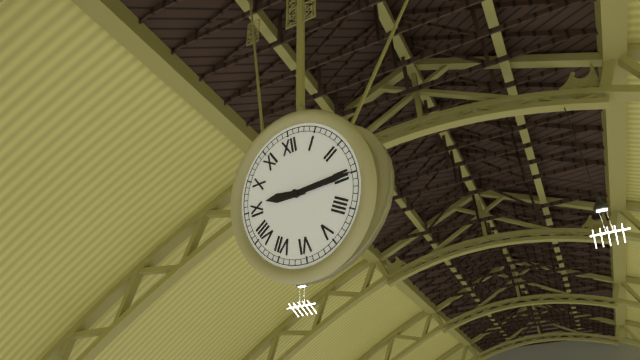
9:15
